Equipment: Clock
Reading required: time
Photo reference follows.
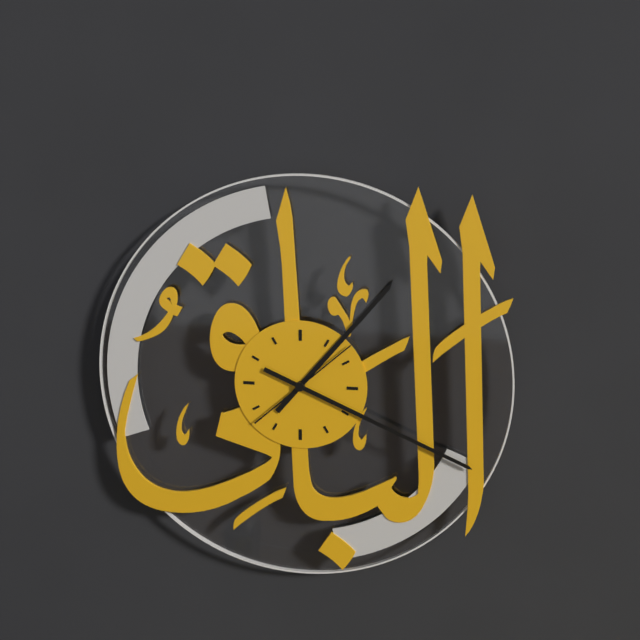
1:19:08
